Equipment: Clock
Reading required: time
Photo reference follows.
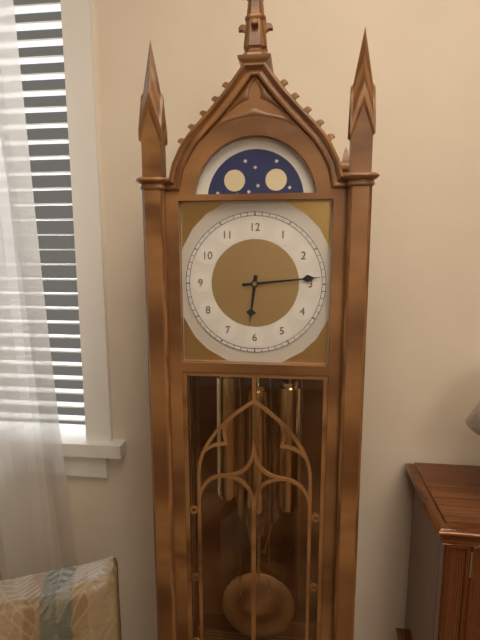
6:14
